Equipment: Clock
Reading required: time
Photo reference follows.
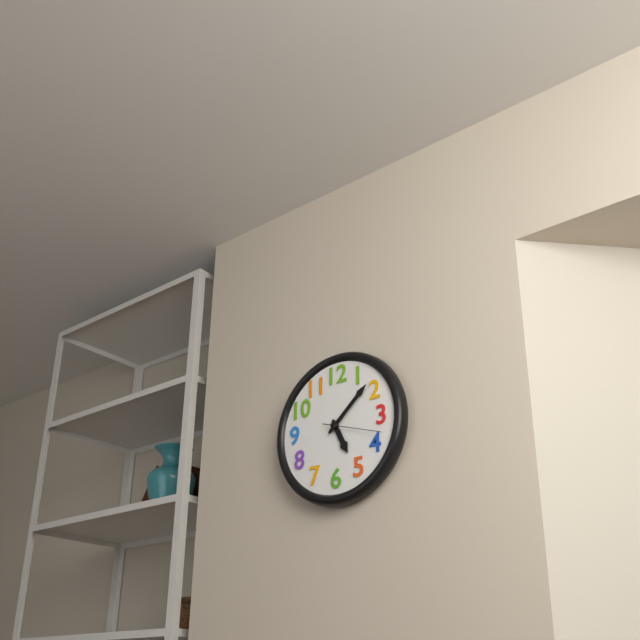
5:08
